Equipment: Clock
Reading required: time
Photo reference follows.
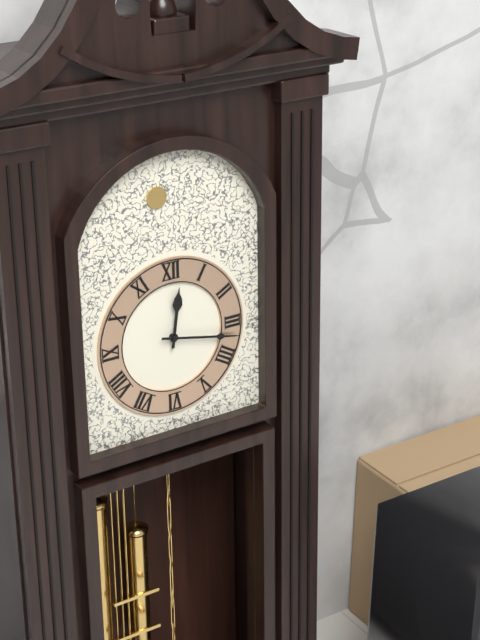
12:17
